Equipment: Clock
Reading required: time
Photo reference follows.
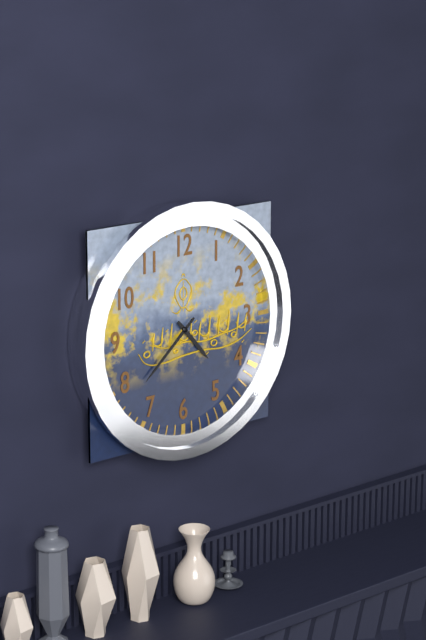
4:38
